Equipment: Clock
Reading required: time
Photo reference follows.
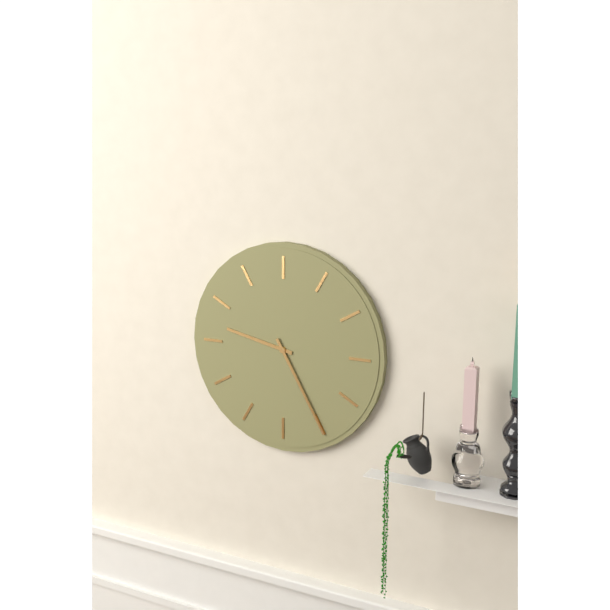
9:25
